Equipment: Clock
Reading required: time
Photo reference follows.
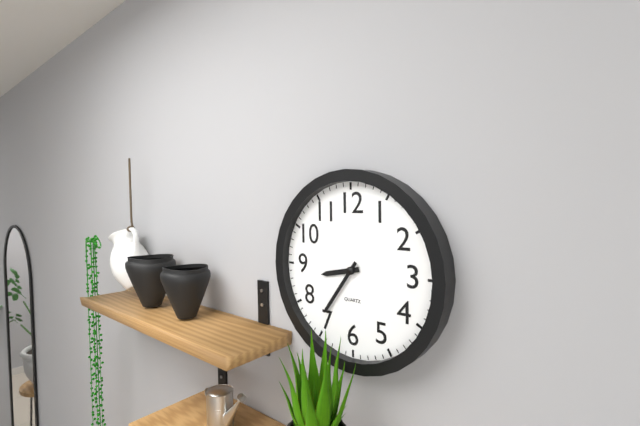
8:36
